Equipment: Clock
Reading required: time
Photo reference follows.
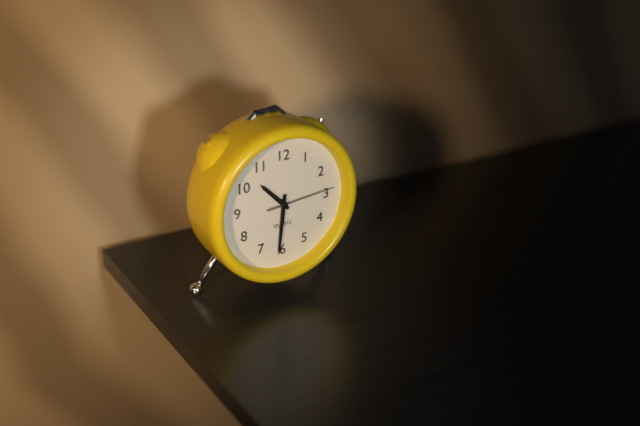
10:31:14
